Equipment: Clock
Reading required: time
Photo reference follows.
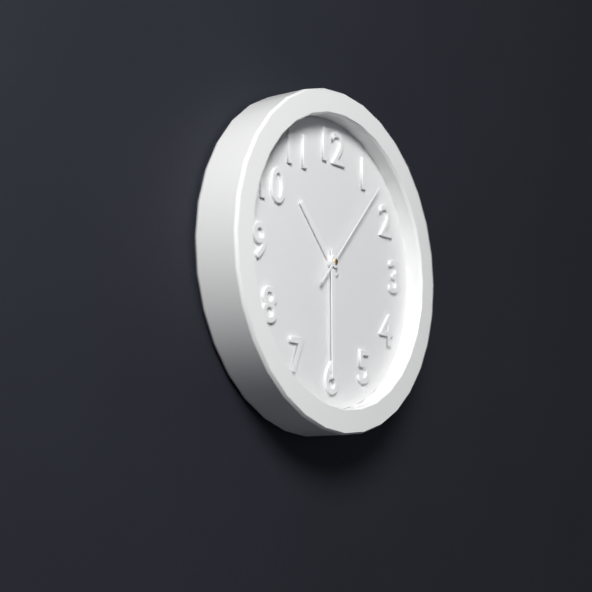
10:30:07
